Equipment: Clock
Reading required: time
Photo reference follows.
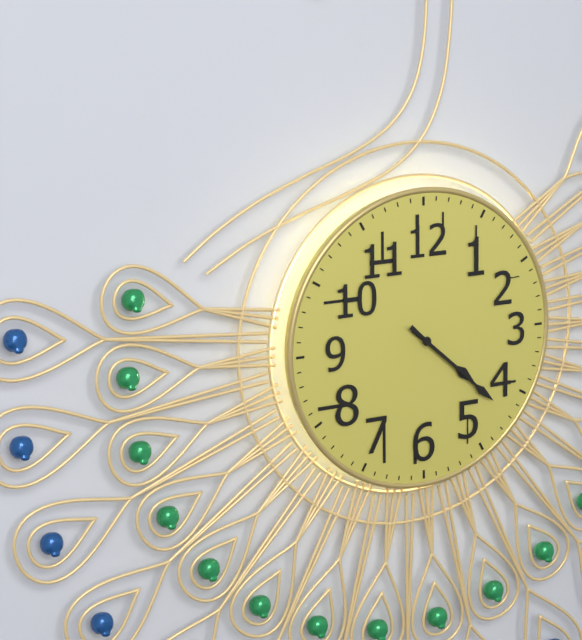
4:22
